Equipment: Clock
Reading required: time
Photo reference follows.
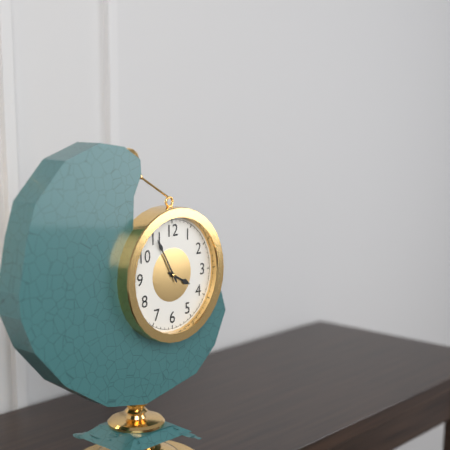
3:55
